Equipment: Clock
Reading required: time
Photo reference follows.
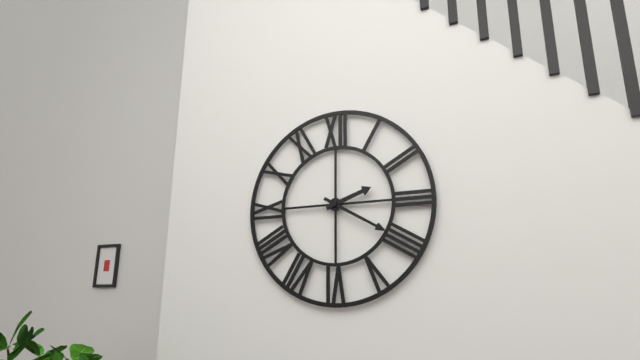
2:20
